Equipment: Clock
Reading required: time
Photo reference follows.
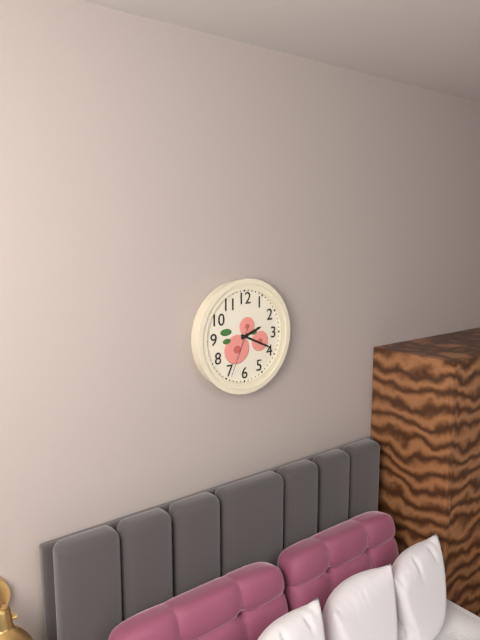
2:19:34
